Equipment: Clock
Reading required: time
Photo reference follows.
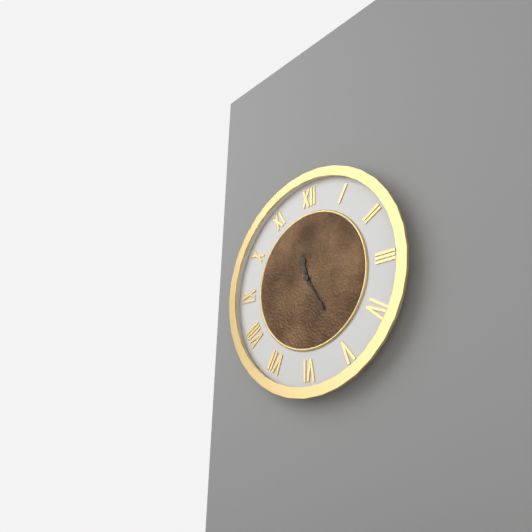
11:25
